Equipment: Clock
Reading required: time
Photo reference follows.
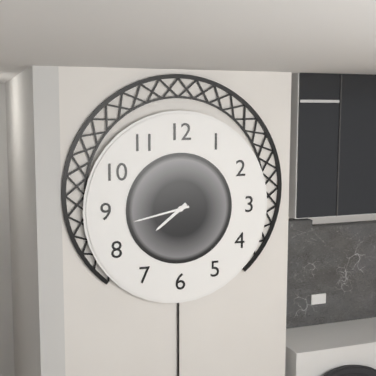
7:43
